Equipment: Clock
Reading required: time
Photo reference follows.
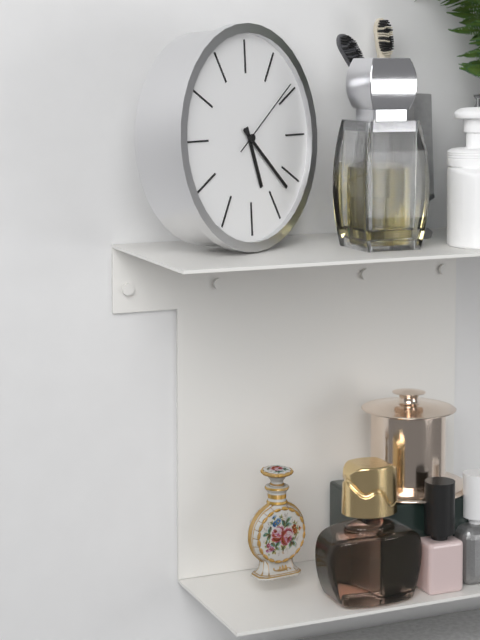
5:22:09
